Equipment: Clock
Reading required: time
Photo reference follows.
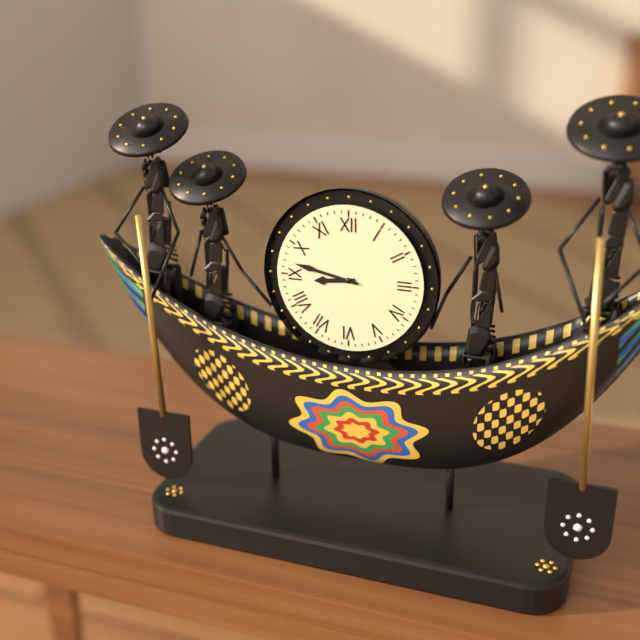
8:47
